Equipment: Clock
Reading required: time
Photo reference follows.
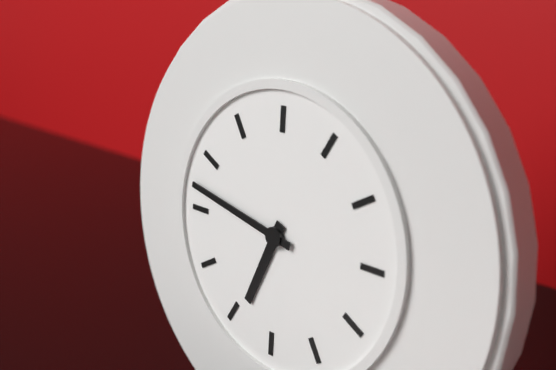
6:47
